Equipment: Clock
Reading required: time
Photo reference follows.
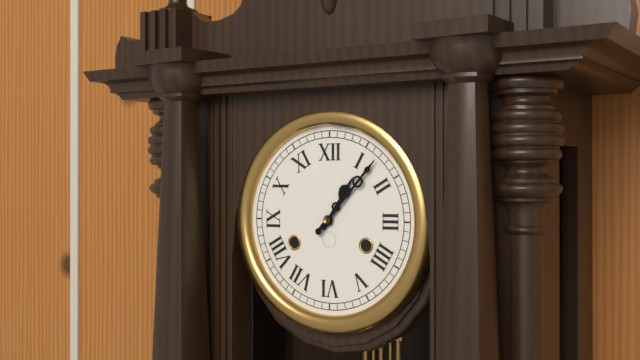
1:07
